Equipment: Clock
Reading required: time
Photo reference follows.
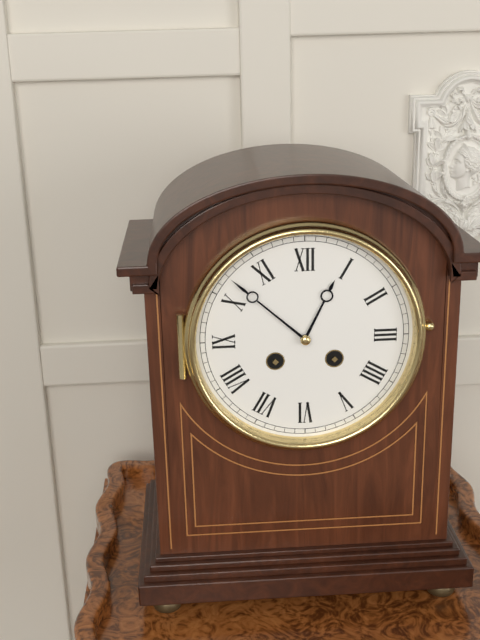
12:52
